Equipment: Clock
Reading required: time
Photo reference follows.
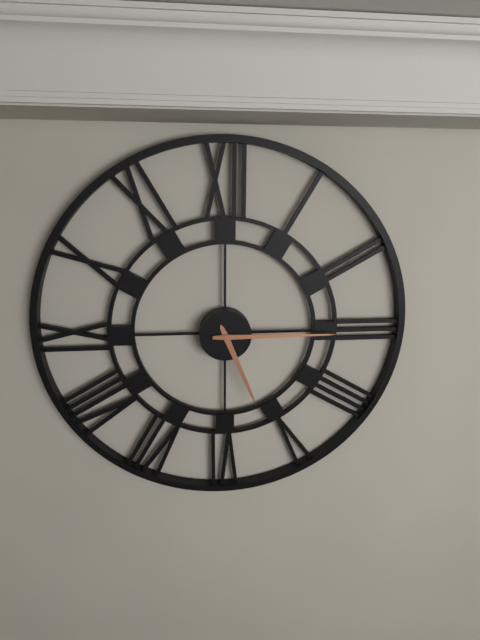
5:15
